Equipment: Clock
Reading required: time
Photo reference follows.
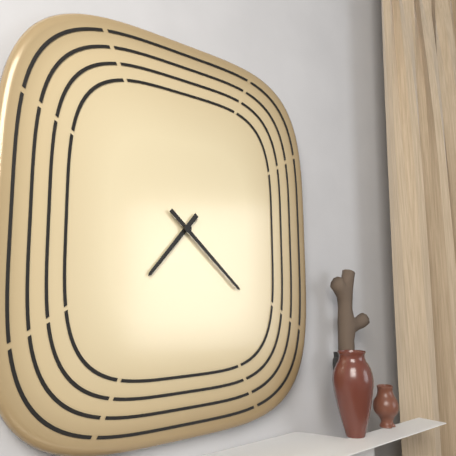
7:22
